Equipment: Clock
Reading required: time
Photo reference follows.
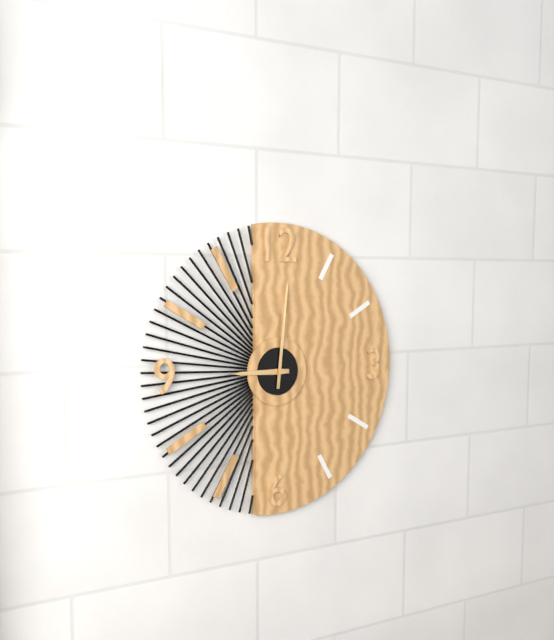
9:01
